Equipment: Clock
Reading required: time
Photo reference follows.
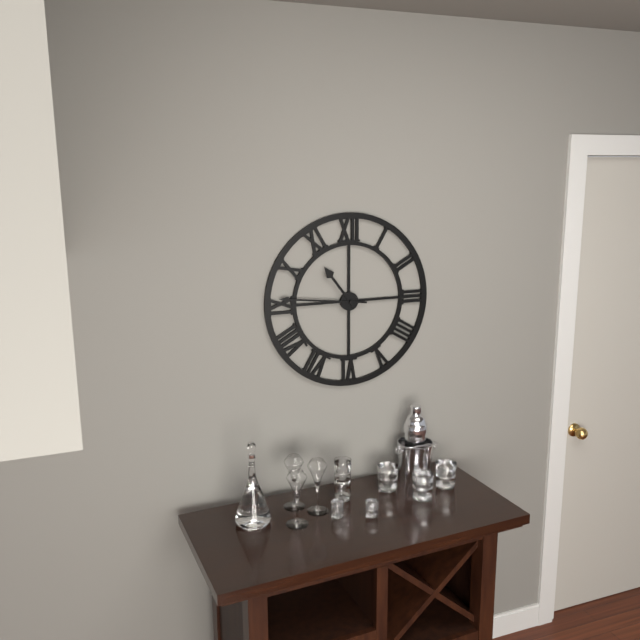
10:46
